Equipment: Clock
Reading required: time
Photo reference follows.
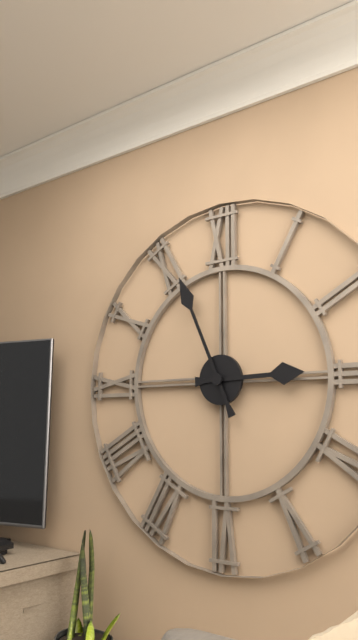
2:56
